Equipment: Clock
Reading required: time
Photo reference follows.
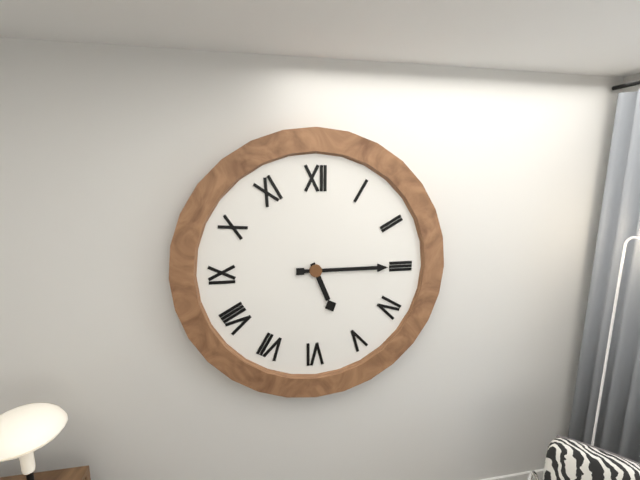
5:15
